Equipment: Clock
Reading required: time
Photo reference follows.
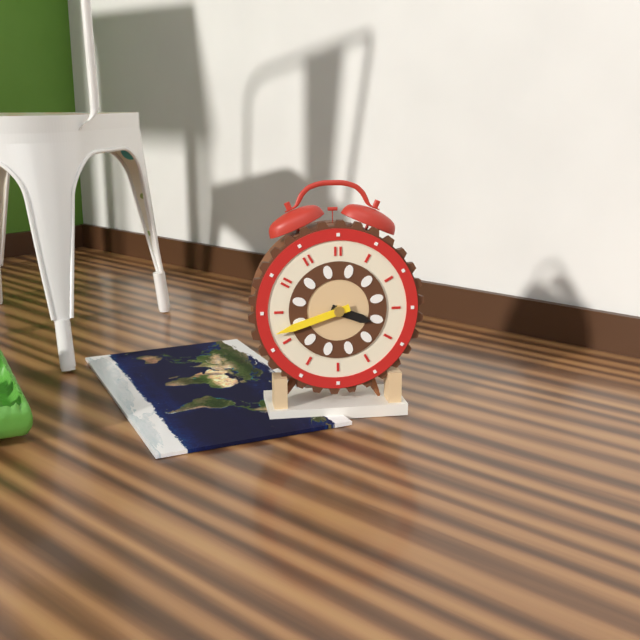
3:42
